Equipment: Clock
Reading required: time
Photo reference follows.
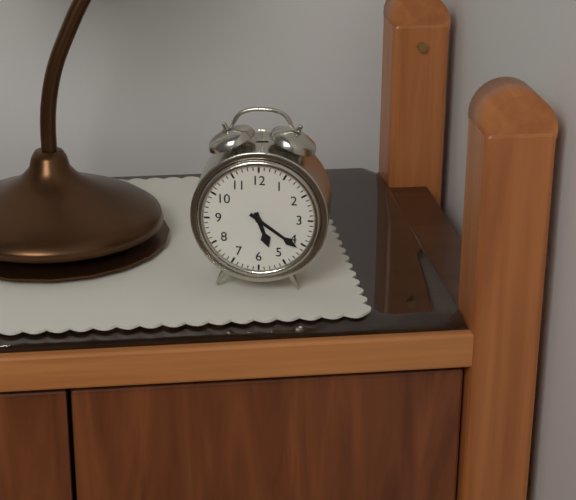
5:21
